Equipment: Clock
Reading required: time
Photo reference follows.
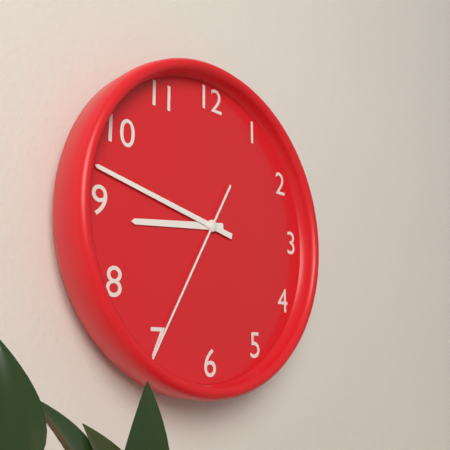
8:47:35
